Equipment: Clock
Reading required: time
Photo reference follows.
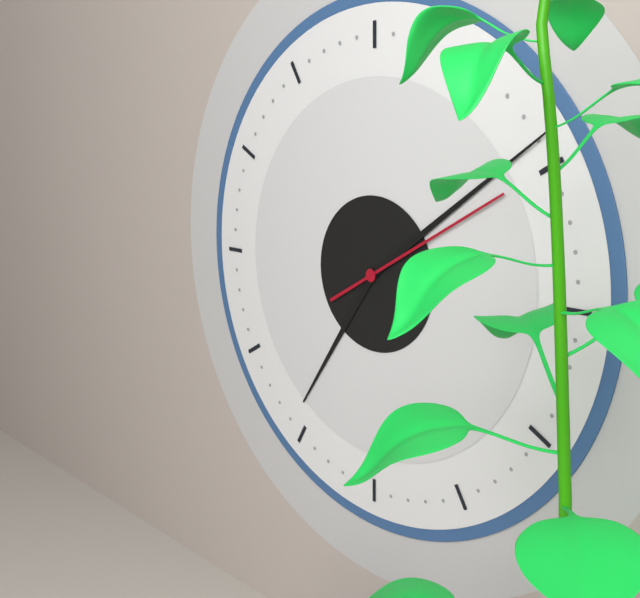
7:09:10
